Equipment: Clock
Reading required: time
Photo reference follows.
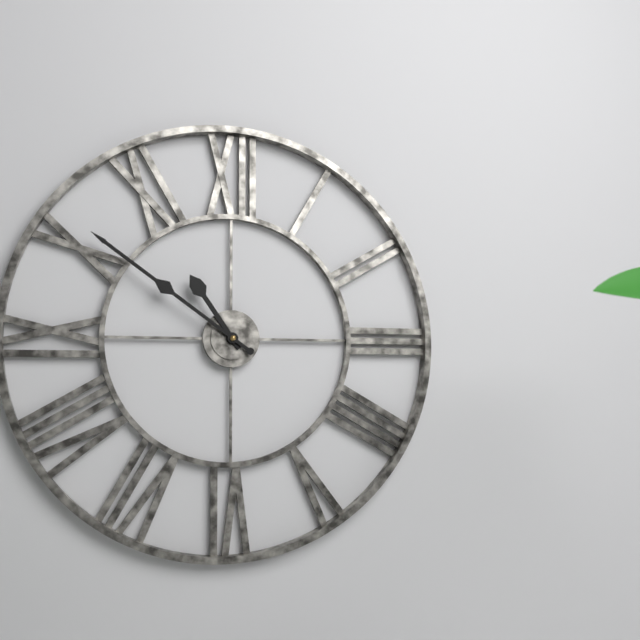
10:51
